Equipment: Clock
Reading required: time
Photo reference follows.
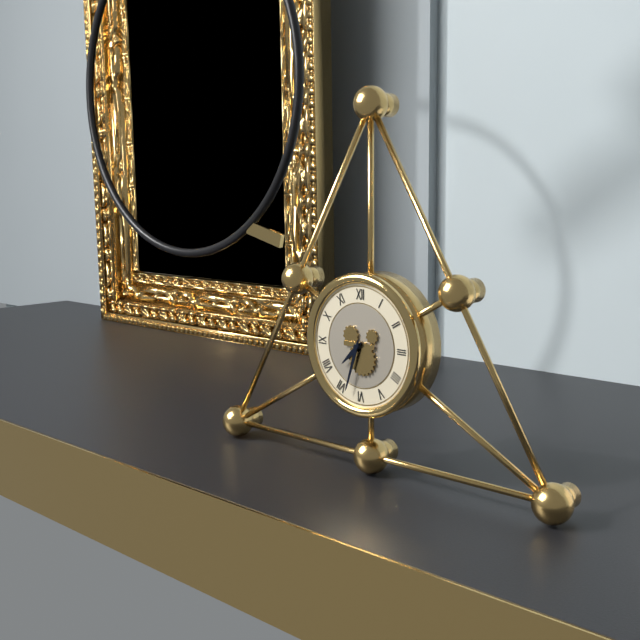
7:33
